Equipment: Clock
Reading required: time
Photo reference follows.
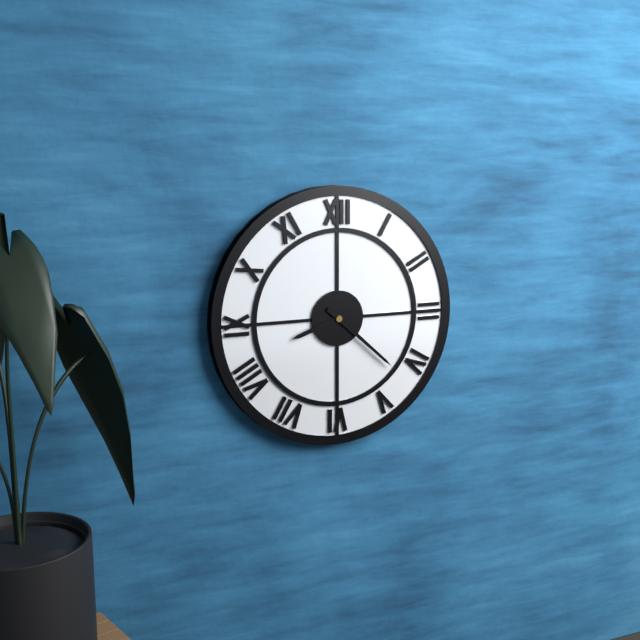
8:22
